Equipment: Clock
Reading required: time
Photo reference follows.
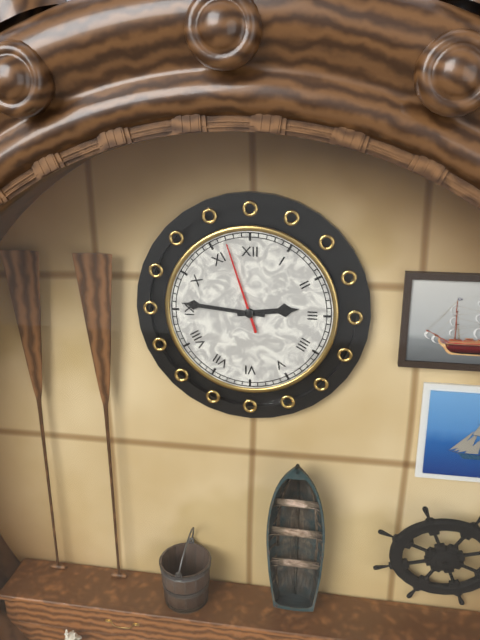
2:46:57
